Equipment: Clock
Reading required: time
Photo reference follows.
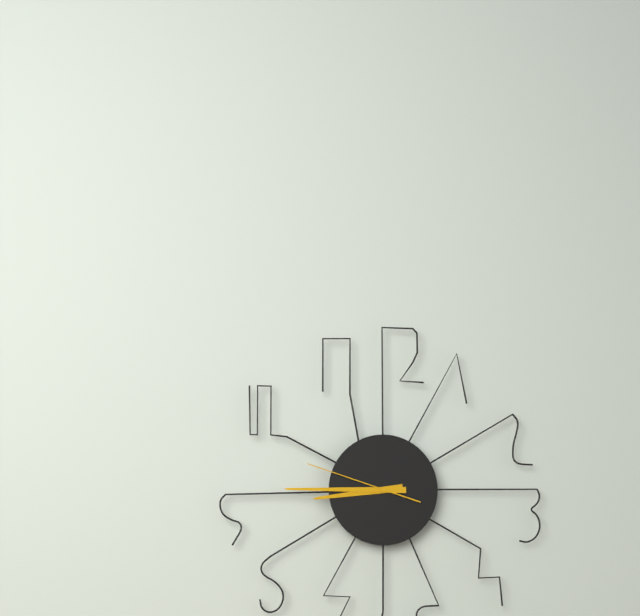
8:45:48
